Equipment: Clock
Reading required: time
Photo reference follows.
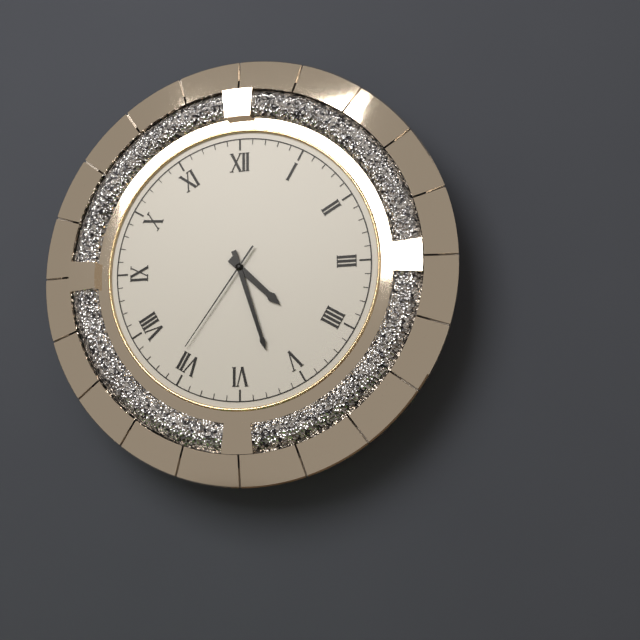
4:27:36
